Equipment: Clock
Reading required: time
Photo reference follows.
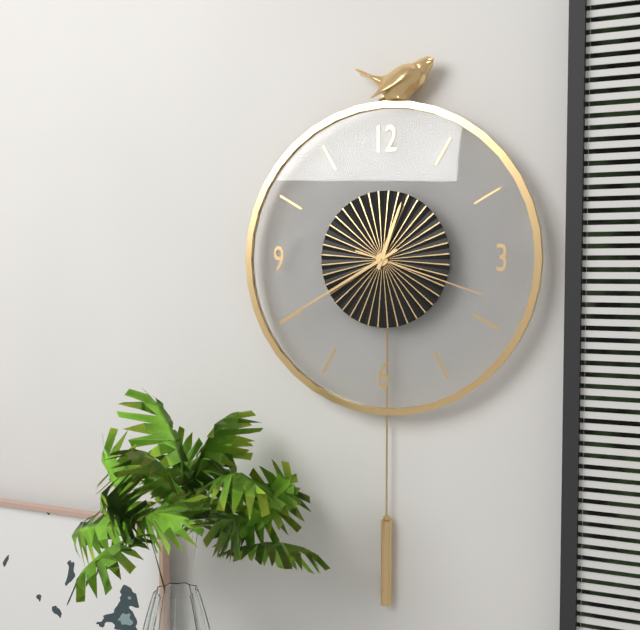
12:40:18
